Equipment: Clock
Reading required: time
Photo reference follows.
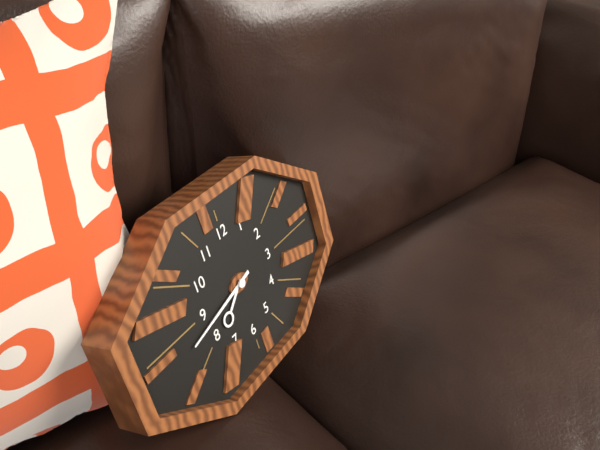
7:43
